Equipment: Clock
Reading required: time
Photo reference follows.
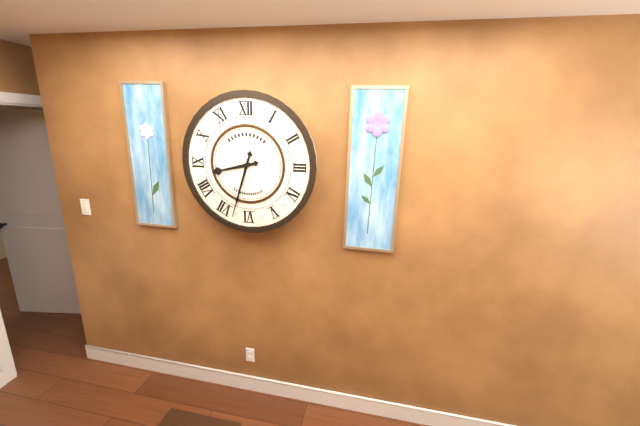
8:33
